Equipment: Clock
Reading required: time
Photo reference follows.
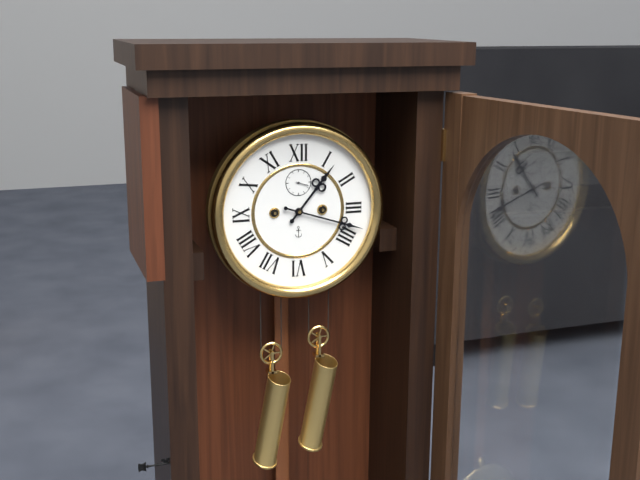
1:18
